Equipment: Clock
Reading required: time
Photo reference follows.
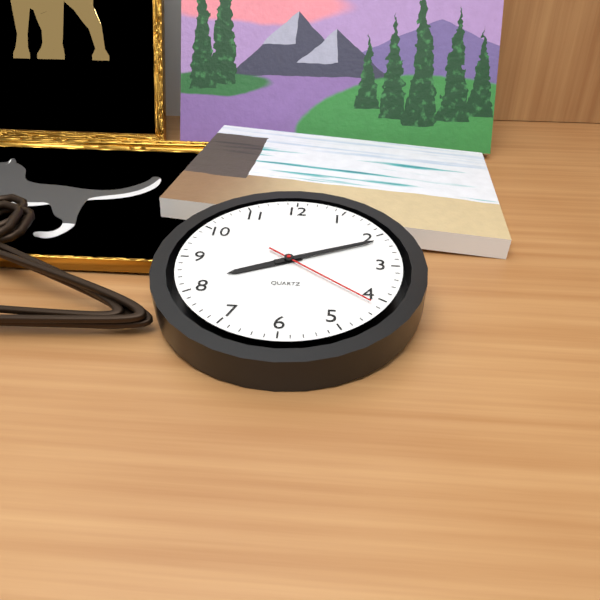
8:11:21
